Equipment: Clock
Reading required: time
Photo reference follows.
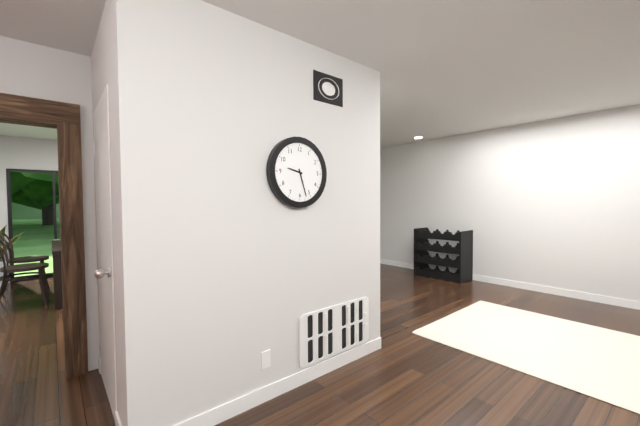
9:27
